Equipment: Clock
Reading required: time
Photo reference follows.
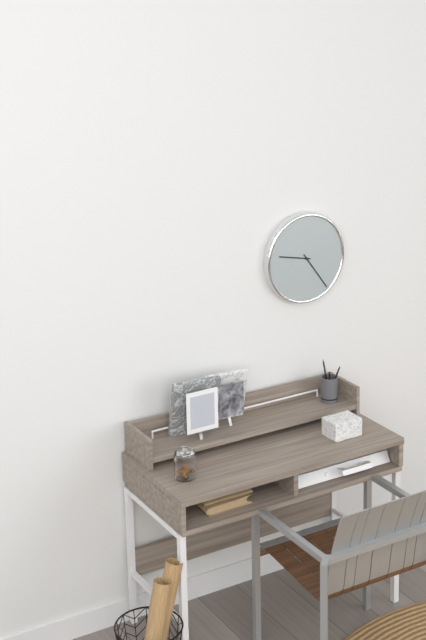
9:24
